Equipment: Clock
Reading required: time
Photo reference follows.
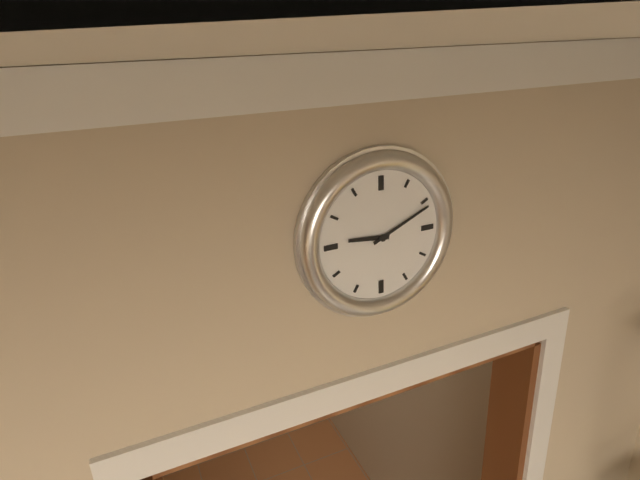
9:11
